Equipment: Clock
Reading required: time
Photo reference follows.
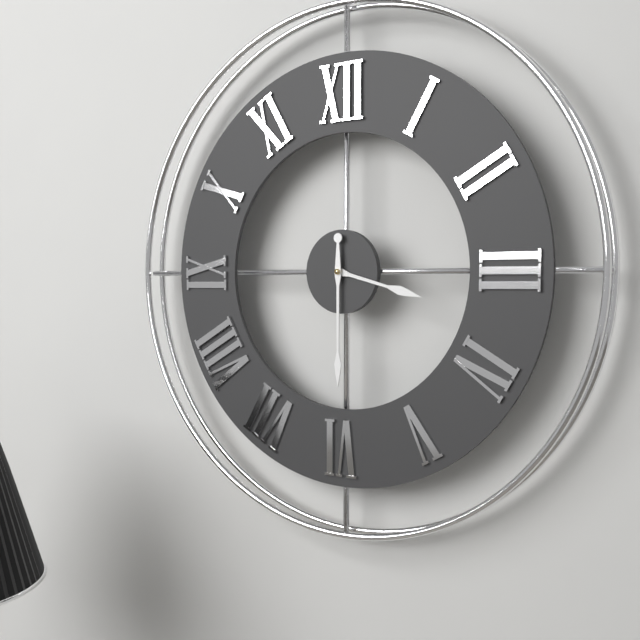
3:30
